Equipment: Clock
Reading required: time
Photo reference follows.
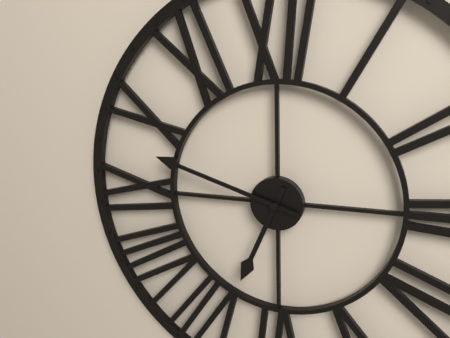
6:48
